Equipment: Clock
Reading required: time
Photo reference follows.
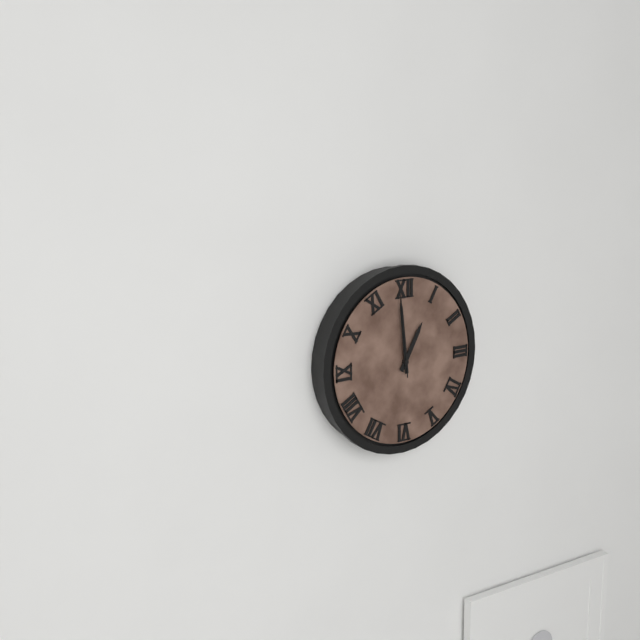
12:59:59
